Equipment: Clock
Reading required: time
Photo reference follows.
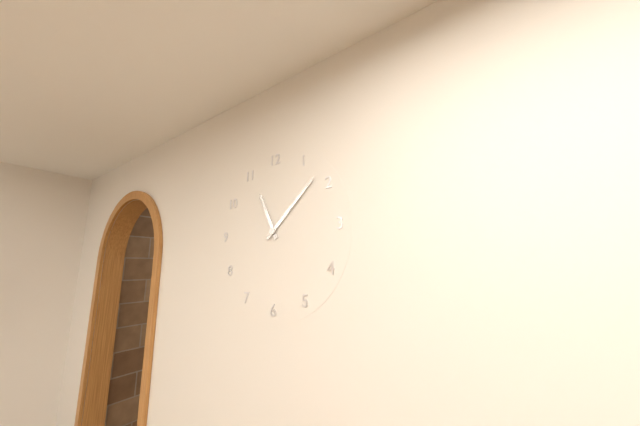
11:08
